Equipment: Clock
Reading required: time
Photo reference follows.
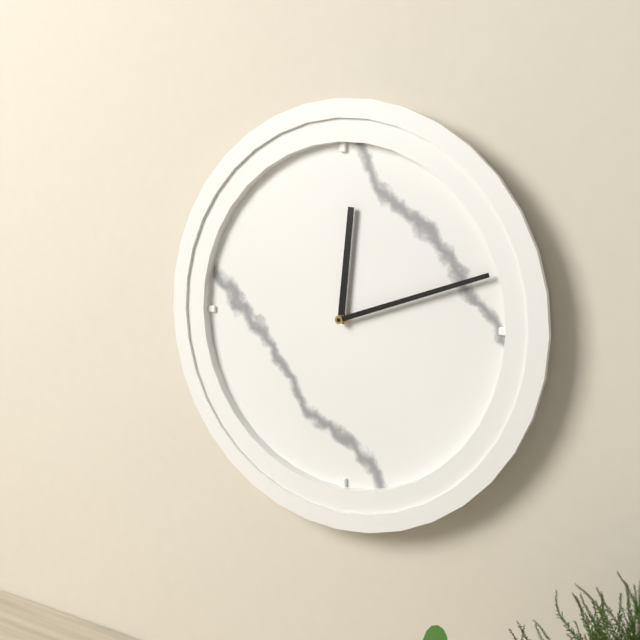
12:12
